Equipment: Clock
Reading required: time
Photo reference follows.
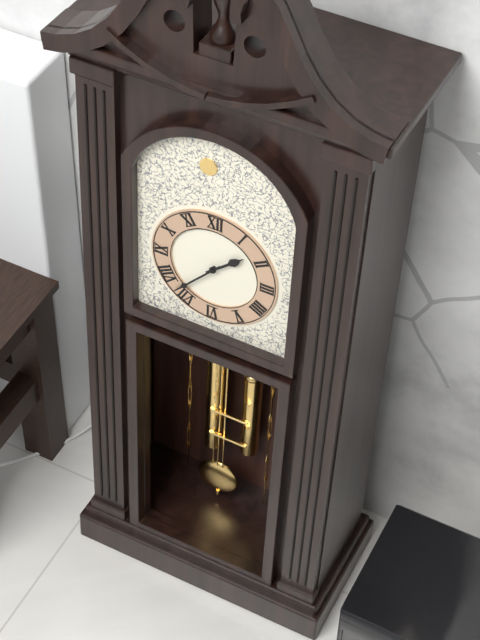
1:37
